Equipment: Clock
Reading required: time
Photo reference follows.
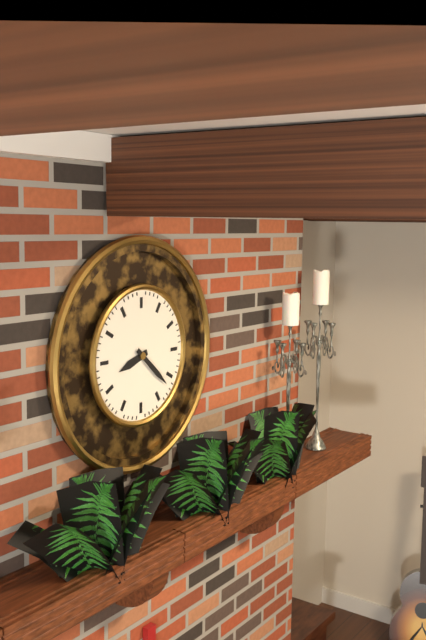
8:22
